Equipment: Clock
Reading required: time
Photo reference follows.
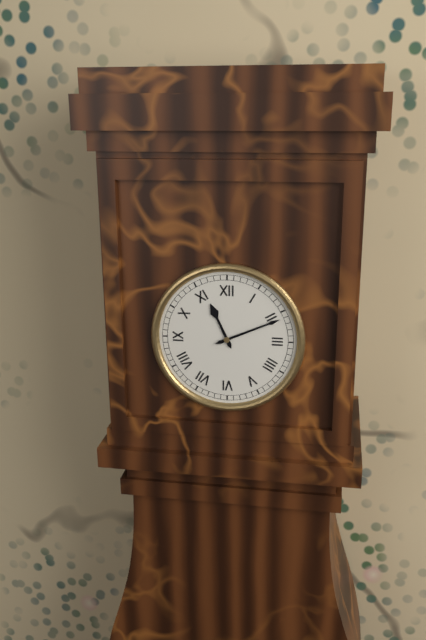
11:11
